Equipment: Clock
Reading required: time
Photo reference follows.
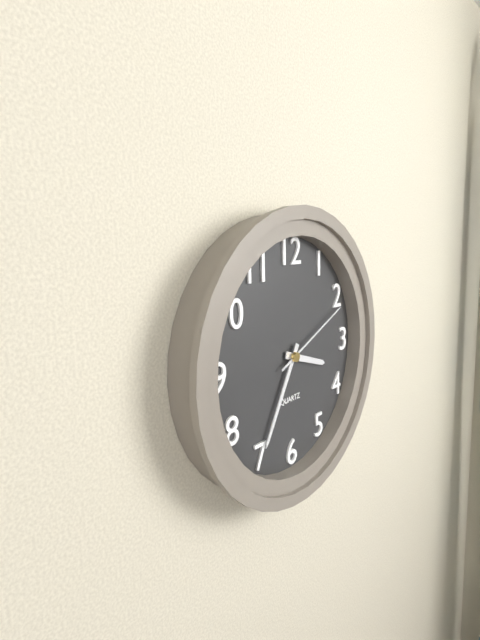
3:35:11
